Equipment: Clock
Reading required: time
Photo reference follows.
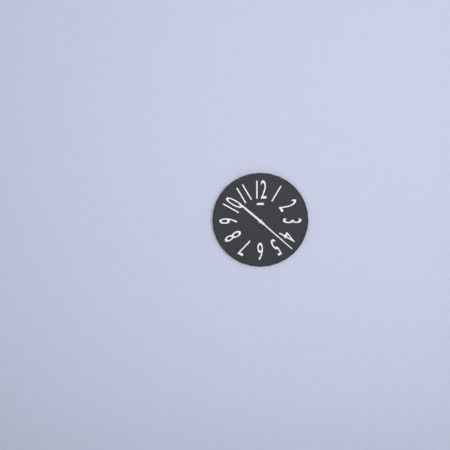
10:22
